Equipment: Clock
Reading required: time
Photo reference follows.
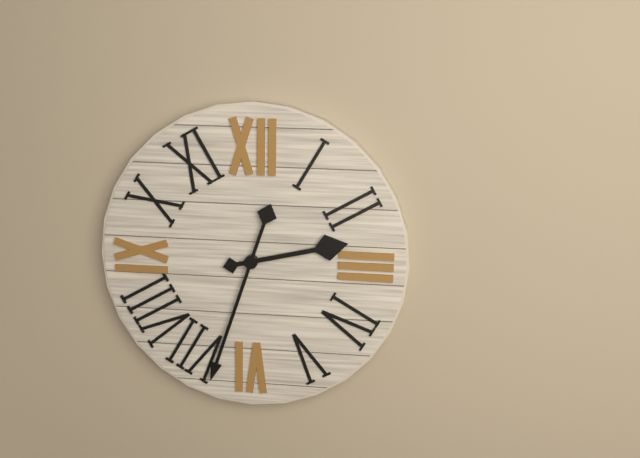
2:33
